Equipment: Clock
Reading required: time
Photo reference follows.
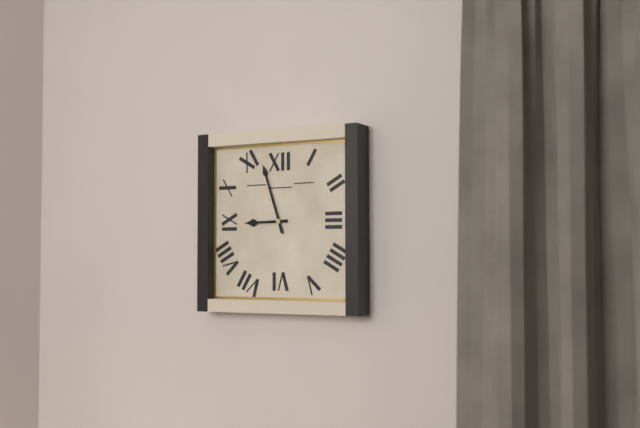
8:57
